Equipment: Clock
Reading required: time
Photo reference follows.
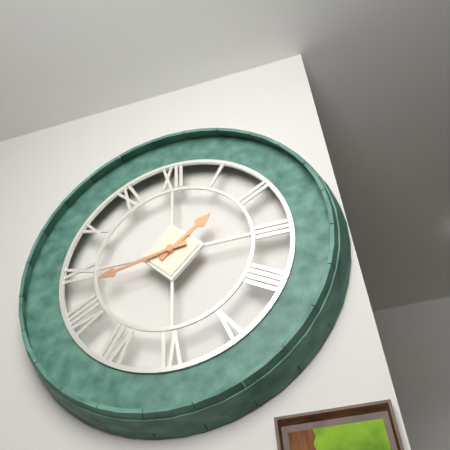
1:43
